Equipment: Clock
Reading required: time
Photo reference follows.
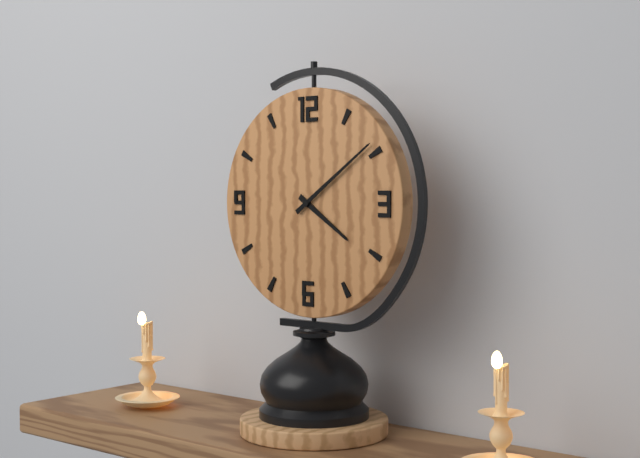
4:09
